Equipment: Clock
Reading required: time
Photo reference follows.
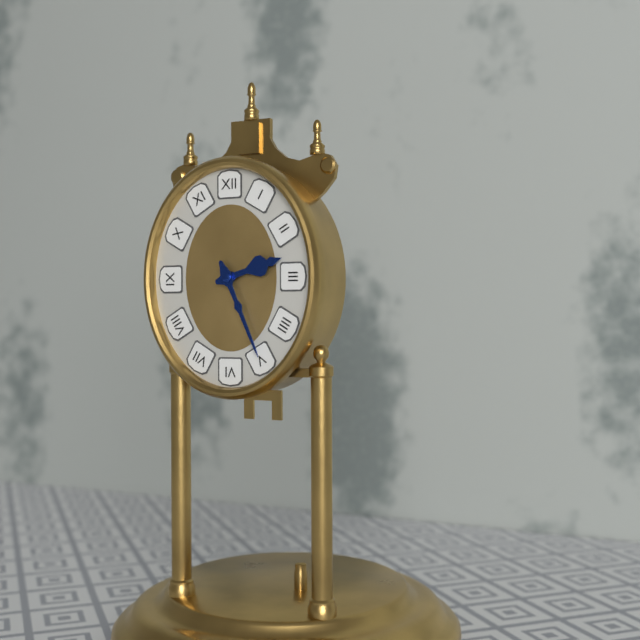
2:26
